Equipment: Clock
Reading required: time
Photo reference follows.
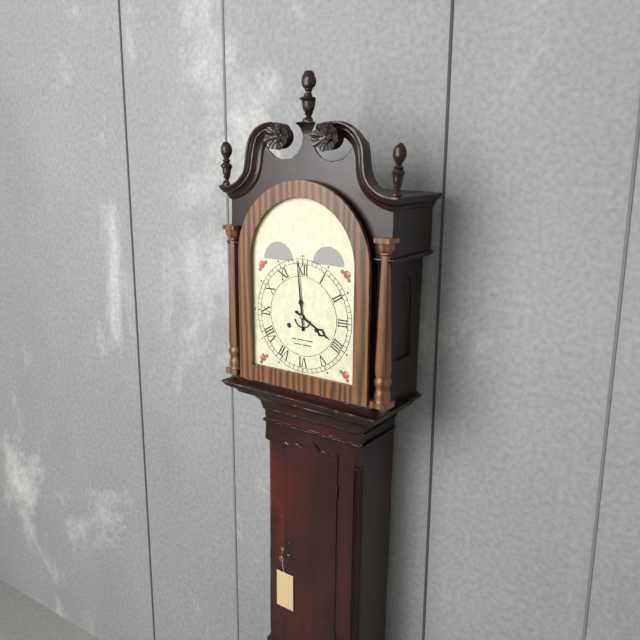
3:59
